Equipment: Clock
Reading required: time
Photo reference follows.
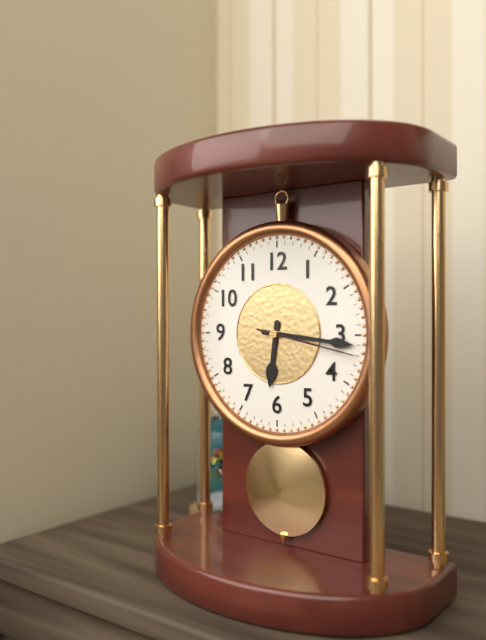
6:16:17
